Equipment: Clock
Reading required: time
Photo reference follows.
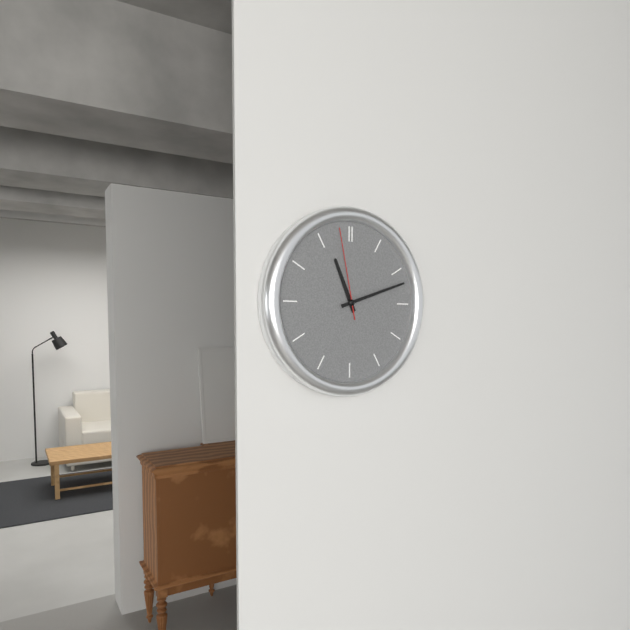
11:12:58
